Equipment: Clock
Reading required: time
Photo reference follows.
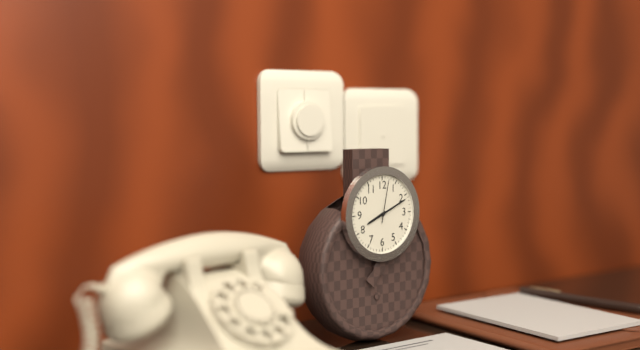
8:11
